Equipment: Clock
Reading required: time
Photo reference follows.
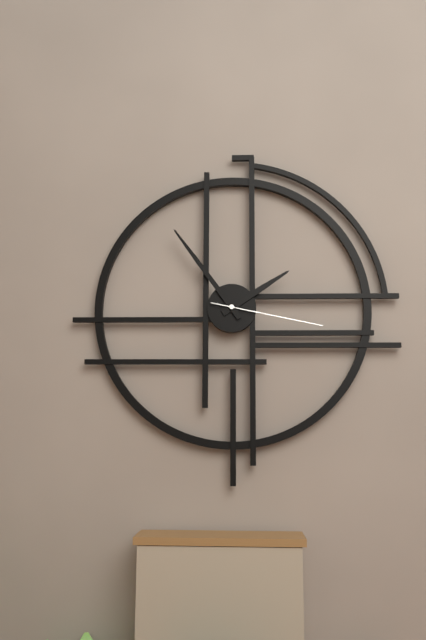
1:54:17
